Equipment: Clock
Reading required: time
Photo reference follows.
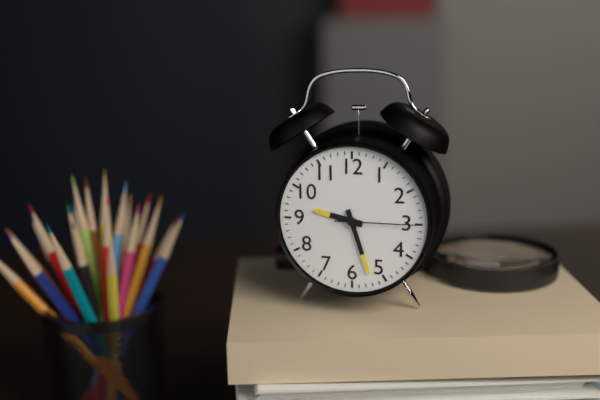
9:27:15
